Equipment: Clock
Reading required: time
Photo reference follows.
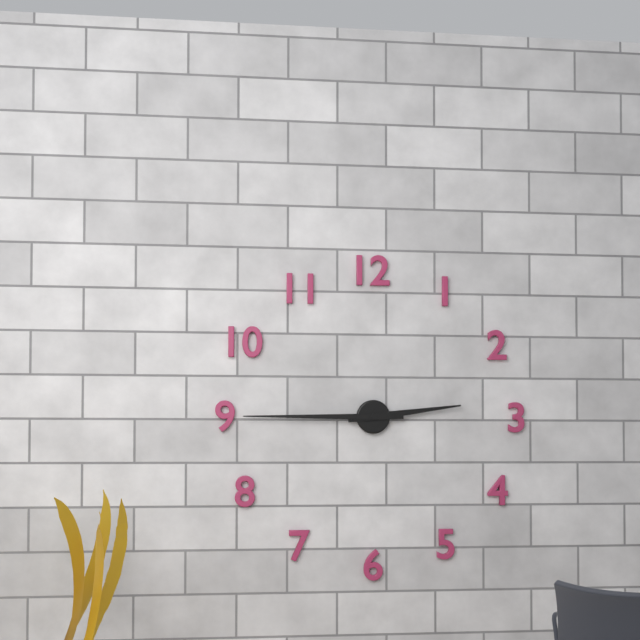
2:45
